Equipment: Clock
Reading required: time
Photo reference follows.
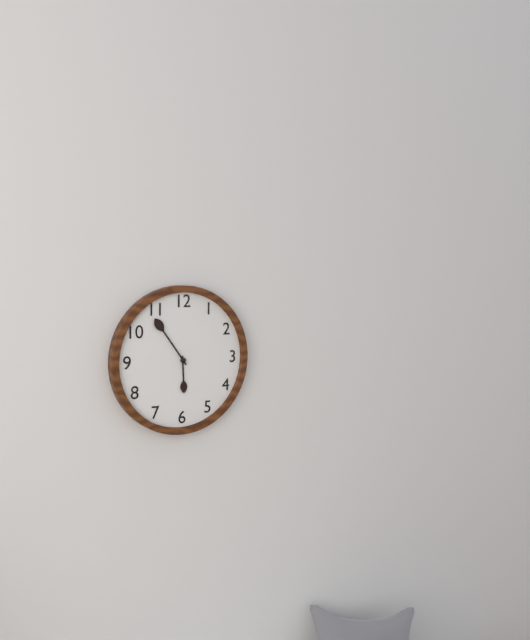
5:54
